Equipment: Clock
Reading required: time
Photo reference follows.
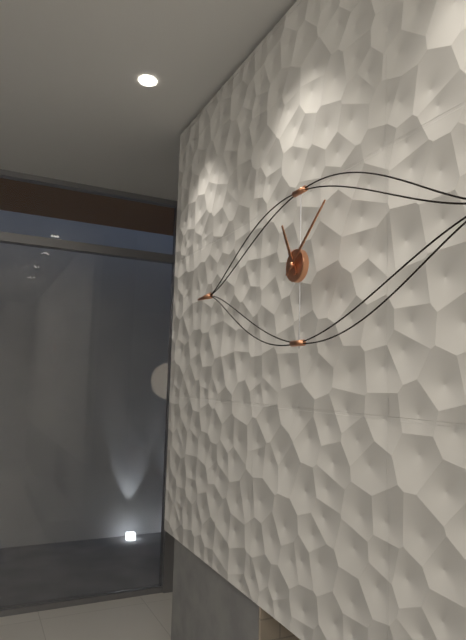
11:08
